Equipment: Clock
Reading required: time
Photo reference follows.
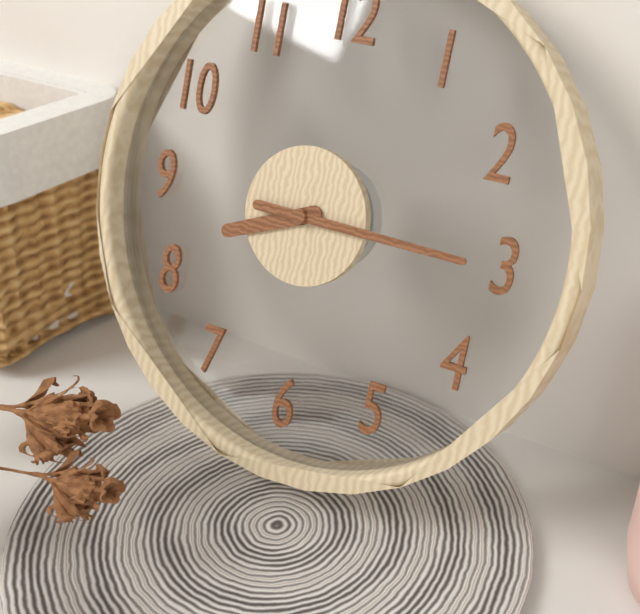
8:15
